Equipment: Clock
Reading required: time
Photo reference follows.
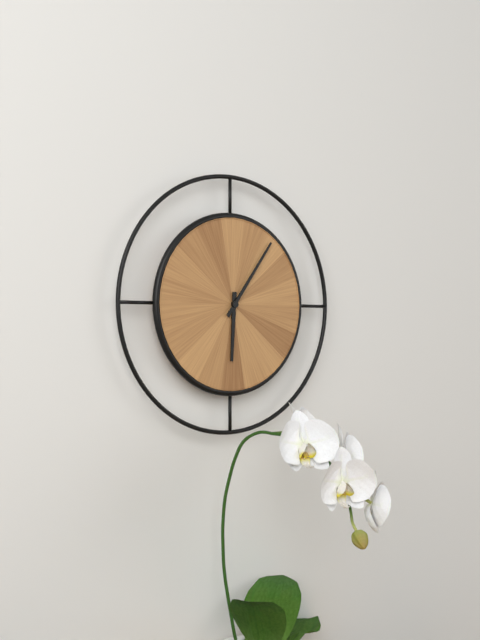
6:06
